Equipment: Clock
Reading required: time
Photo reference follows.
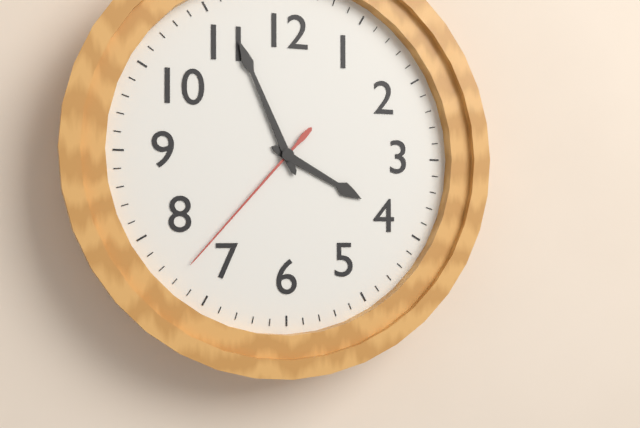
3:56:37
